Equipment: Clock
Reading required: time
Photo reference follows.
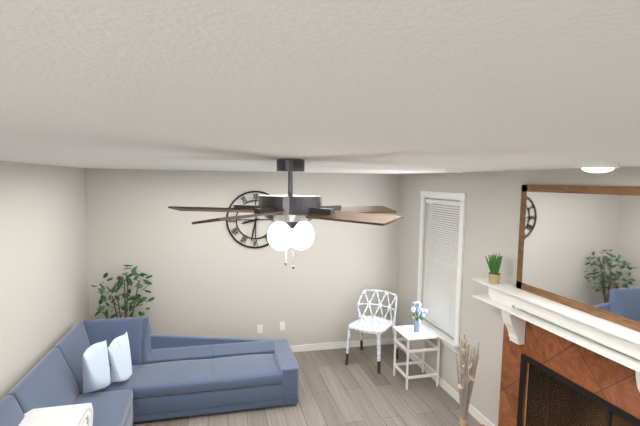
8:32
